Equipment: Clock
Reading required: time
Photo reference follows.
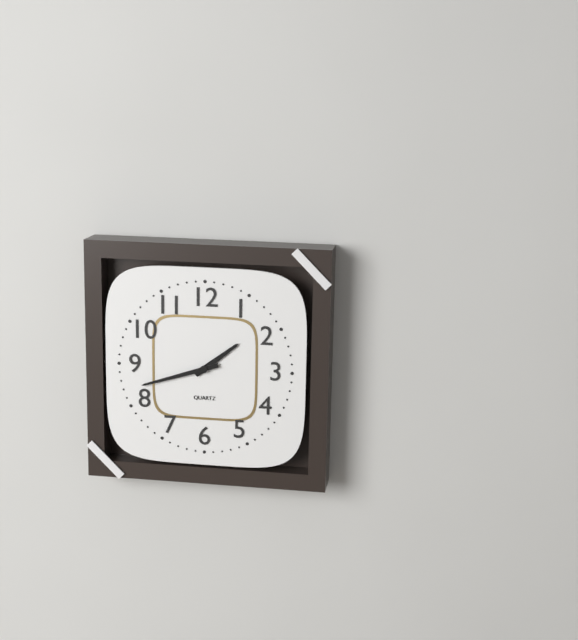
1:42
